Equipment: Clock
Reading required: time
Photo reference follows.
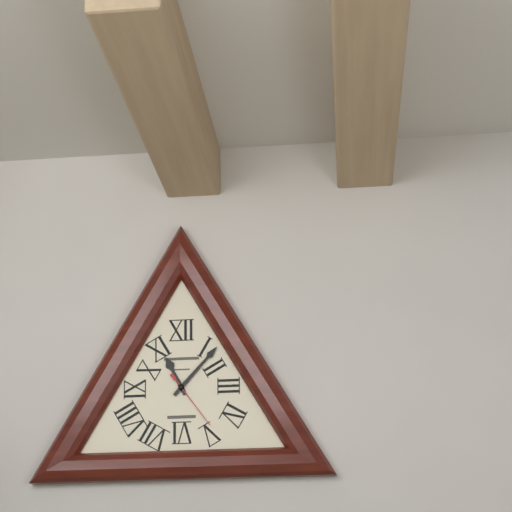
11:07:24
